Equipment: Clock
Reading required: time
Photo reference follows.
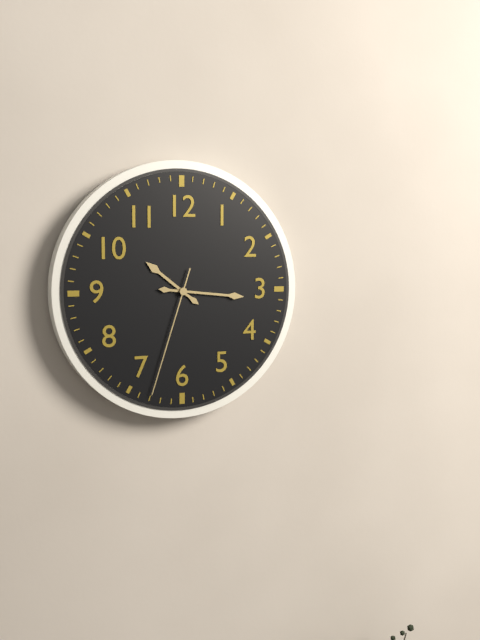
10:16:33
